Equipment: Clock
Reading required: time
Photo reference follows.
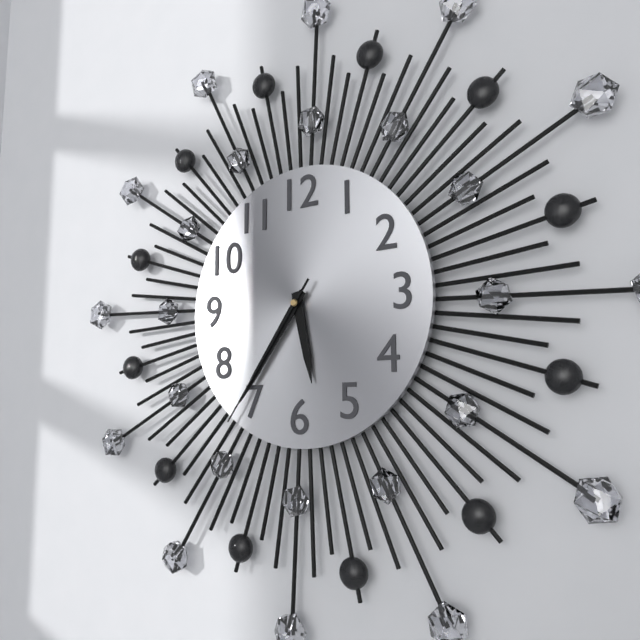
5:36:36
